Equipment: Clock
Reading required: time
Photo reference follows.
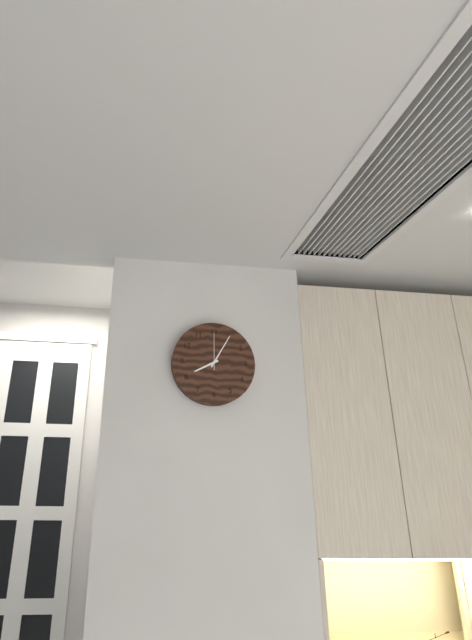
8:05
